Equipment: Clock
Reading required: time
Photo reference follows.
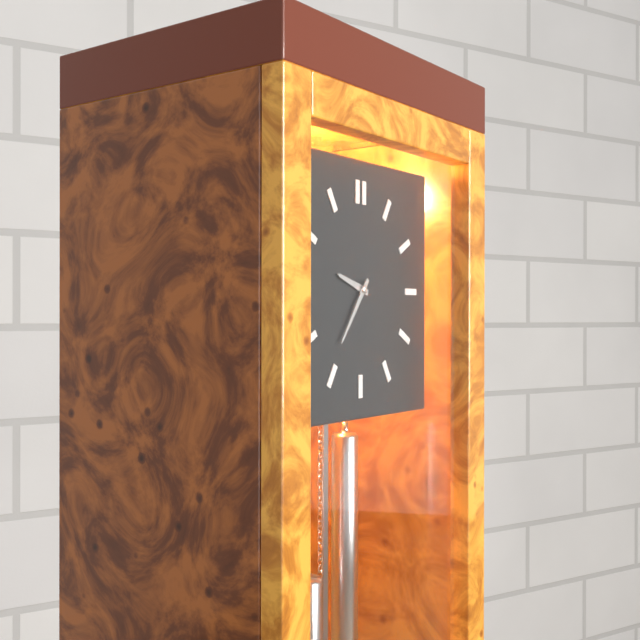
9:36
